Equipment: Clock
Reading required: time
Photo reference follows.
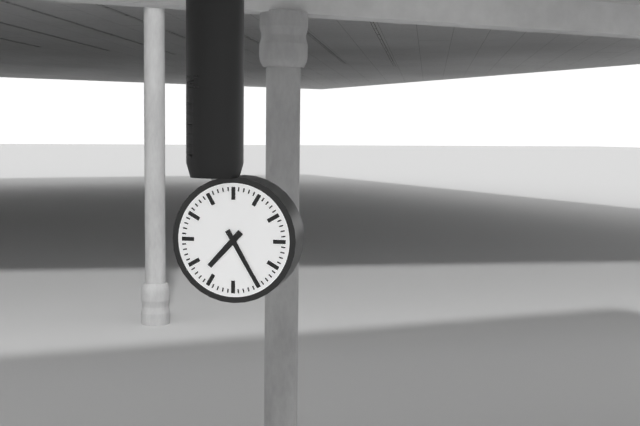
7:25
